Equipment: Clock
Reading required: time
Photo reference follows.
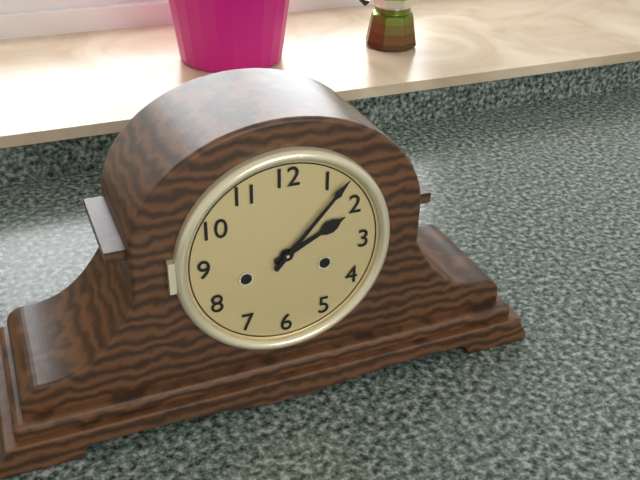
2:07
